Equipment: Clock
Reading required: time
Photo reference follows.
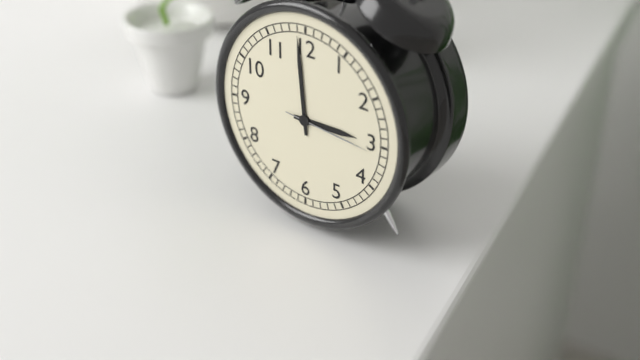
2:59:16
